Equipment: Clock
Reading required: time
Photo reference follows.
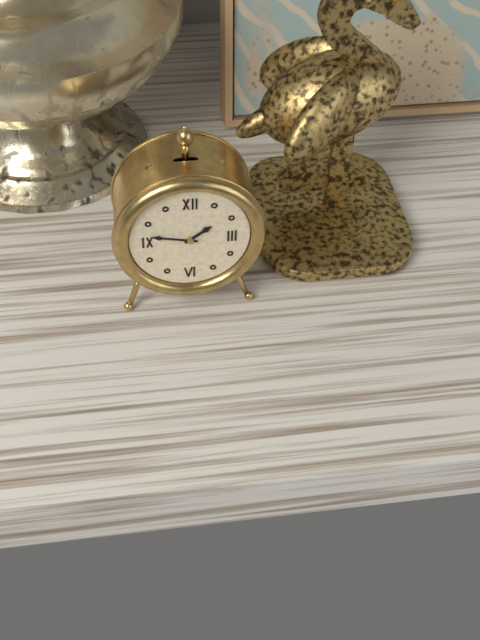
1:47
